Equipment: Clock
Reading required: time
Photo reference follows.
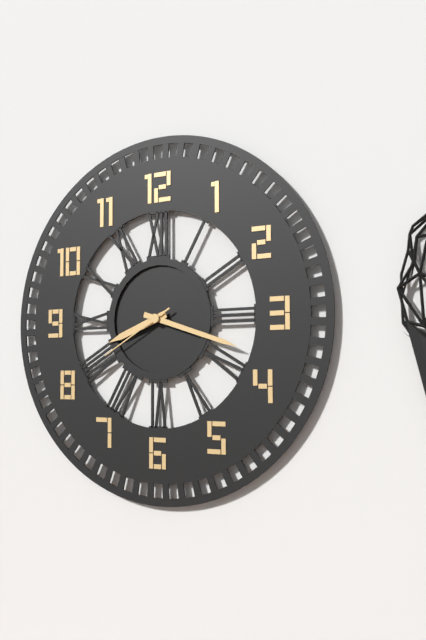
8:18:40
